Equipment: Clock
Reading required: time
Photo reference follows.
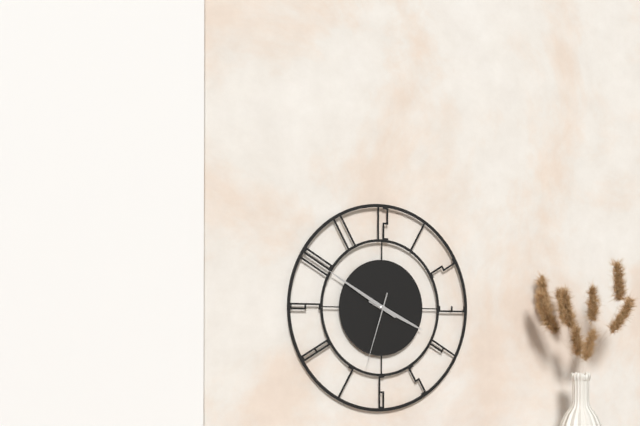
3:50:33
